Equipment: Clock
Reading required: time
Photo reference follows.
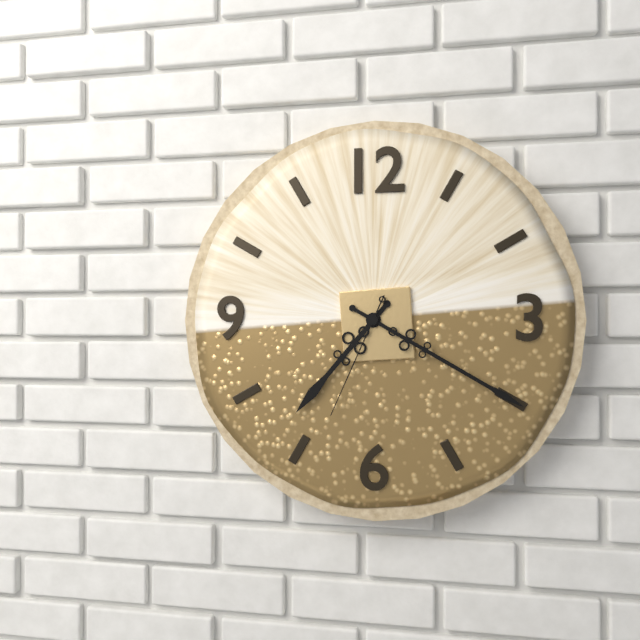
7:20:34
